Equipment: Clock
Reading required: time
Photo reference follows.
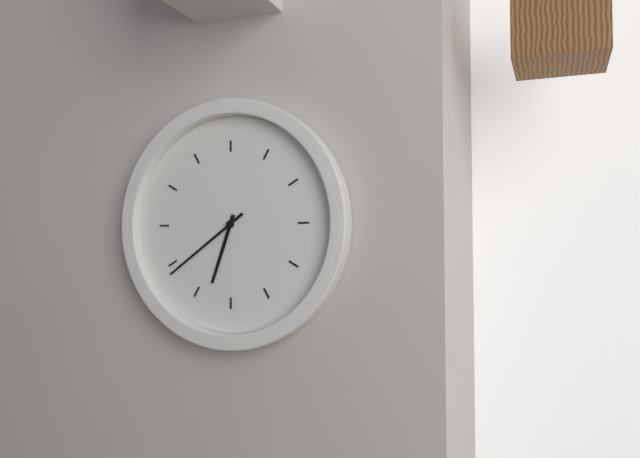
6:39
